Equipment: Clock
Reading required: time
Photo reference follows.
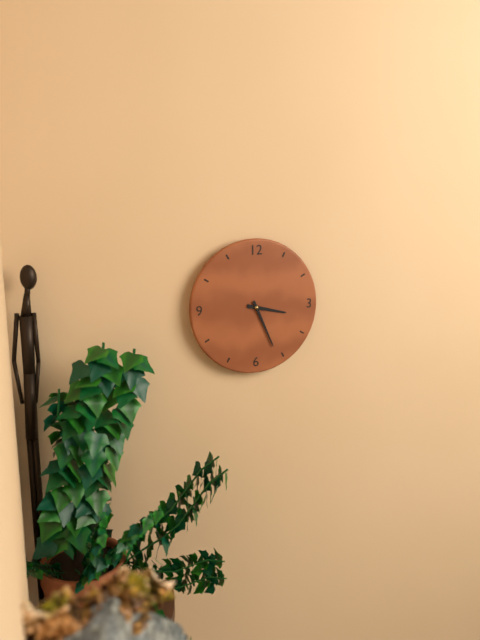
3:26
